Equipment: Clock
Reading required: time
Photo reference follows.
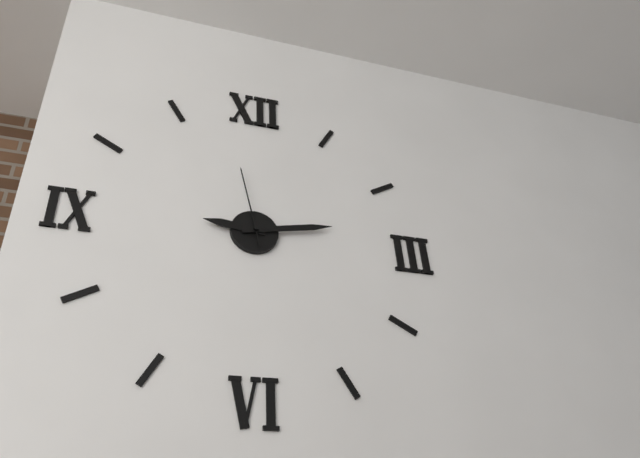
9:13:58
